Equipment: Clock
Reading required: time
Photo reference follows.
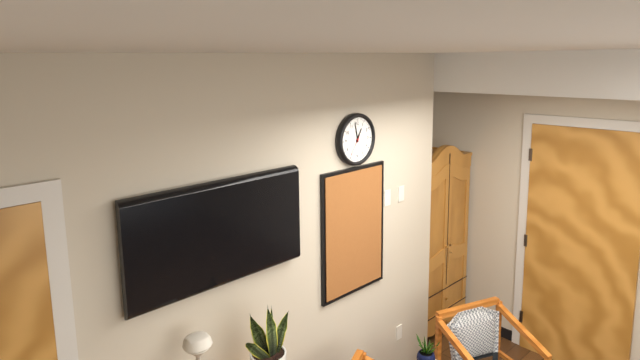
12:58
